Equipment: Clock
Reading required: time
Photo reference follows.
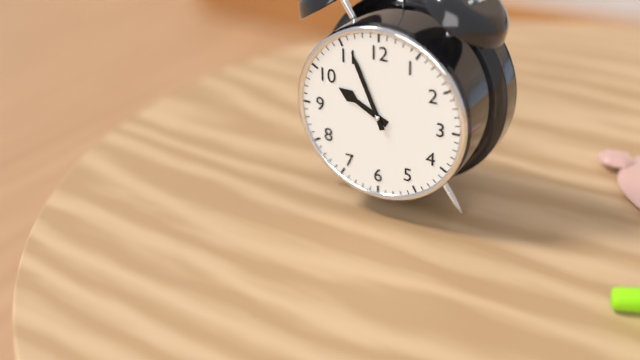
9:56
